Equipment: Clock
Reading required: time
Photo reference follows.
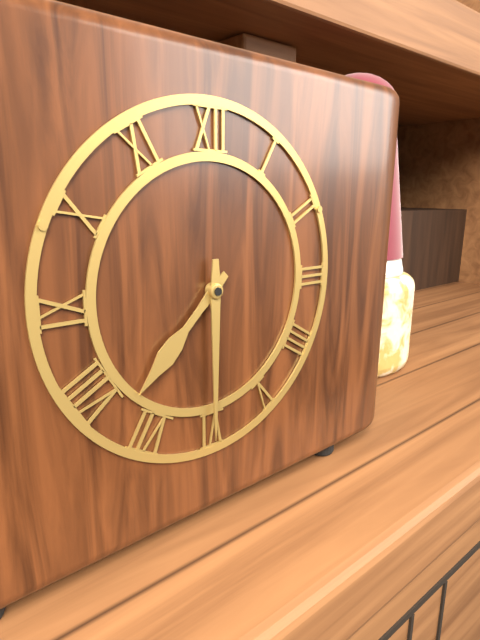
7:30
